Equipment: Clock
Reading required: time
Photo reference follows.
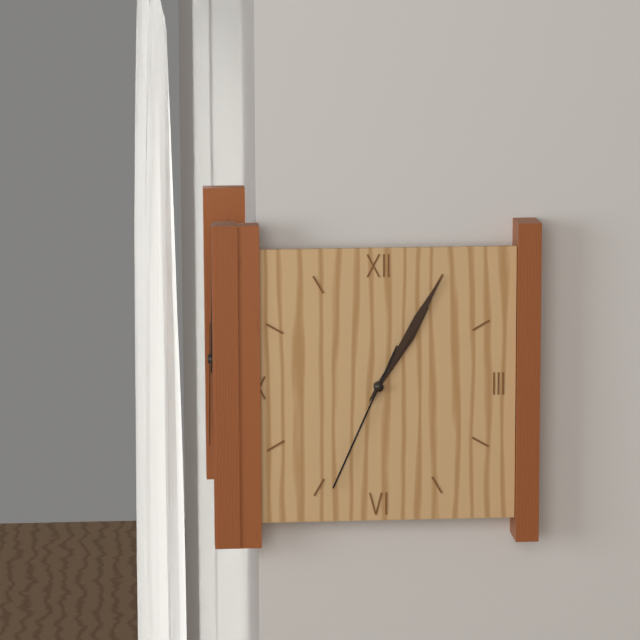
1:05:34
